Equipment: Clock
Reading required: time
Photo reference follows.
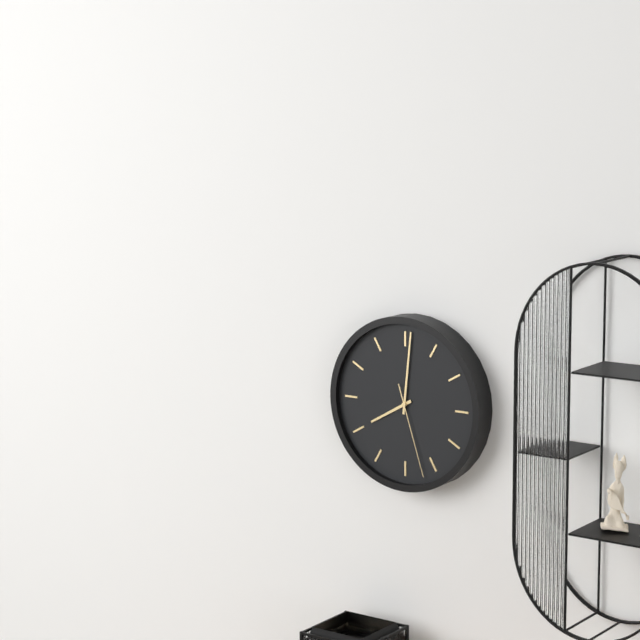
8:01:27
